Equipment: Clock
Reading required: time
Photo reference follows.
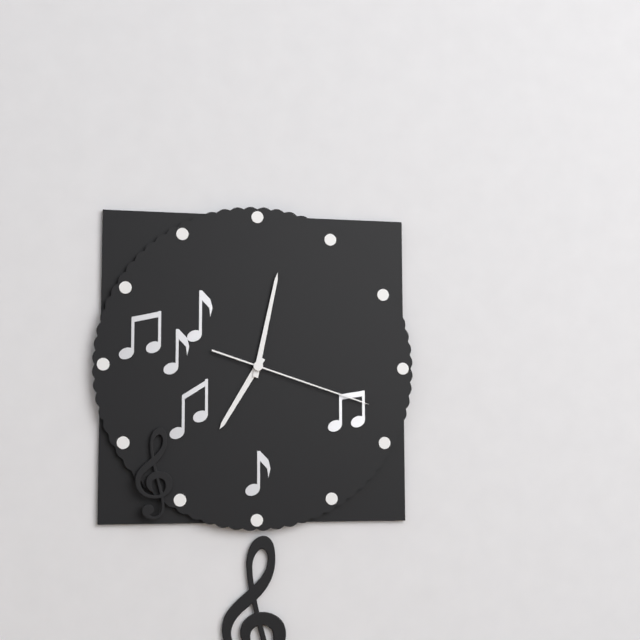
7:02:18
